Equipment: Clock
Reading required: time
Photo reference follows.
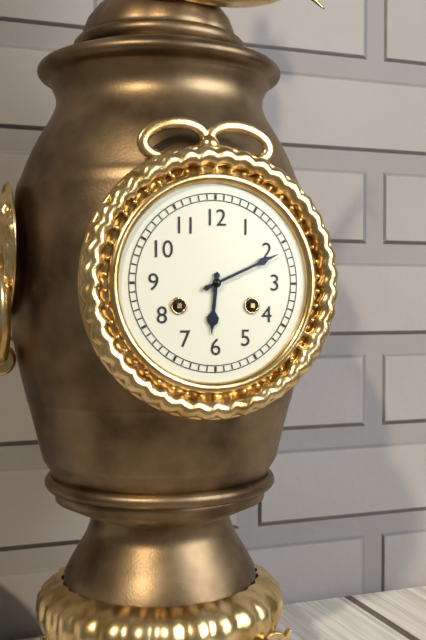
6:11
